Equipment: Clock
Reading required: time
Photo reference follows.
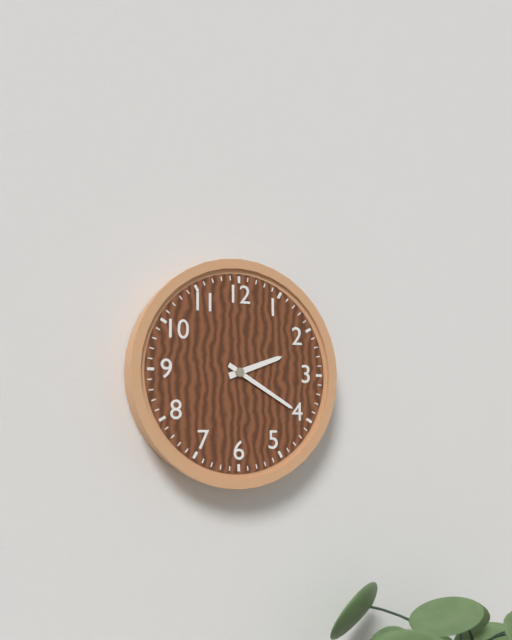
2:20
